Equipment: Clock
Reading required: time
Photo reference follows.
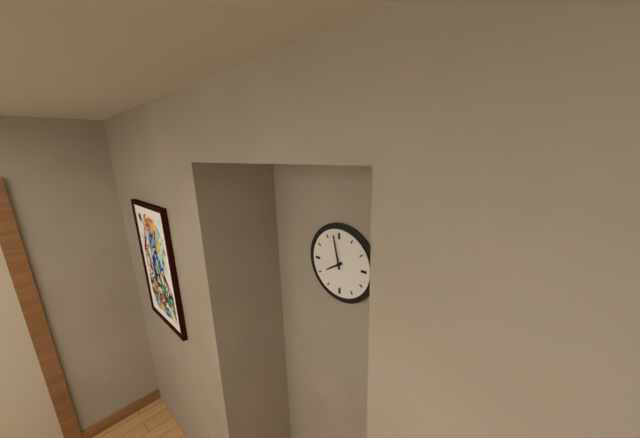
7:58
